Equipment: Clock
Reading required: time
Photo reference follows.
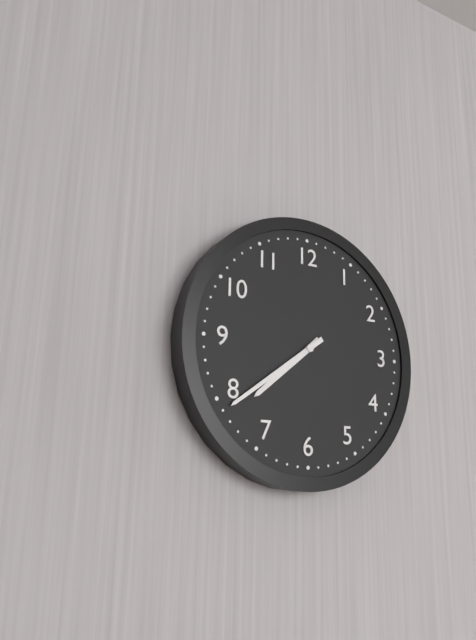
7:39
